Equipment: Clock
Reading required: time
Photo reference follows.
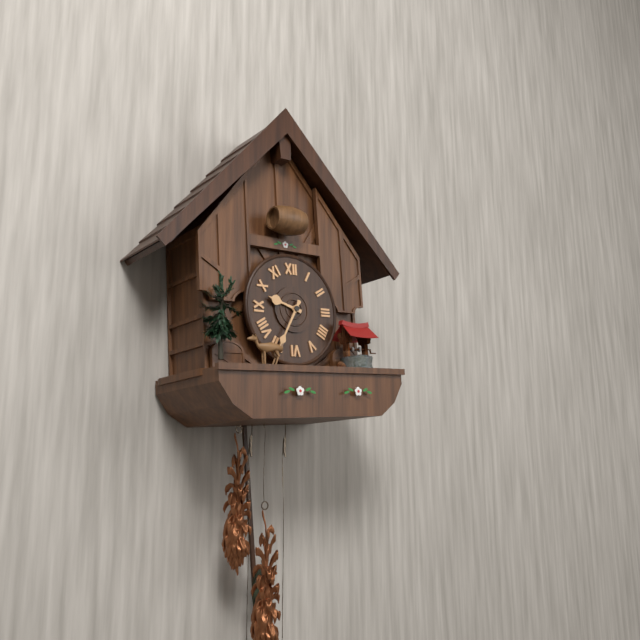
9:35
